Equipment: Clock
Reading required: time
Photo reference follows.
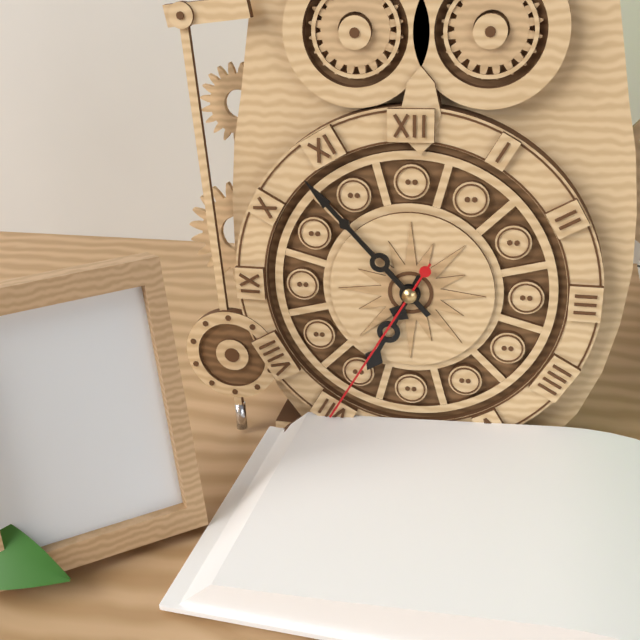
6:53:35
